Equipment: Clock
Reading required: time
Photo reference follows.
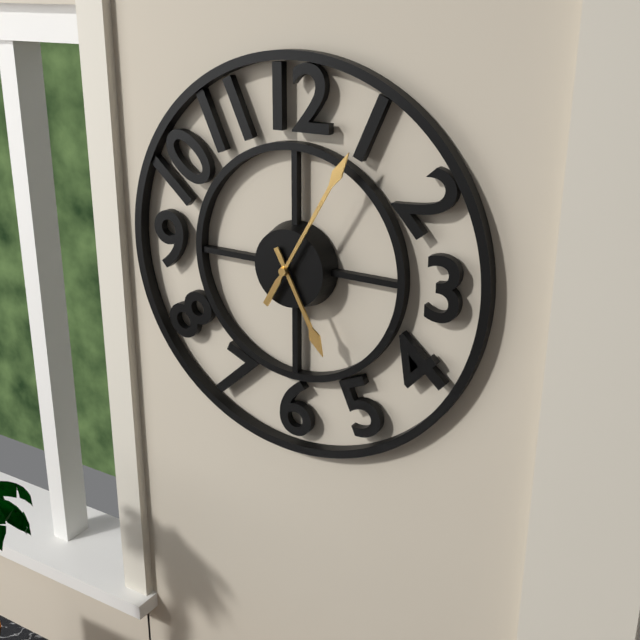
5:05
